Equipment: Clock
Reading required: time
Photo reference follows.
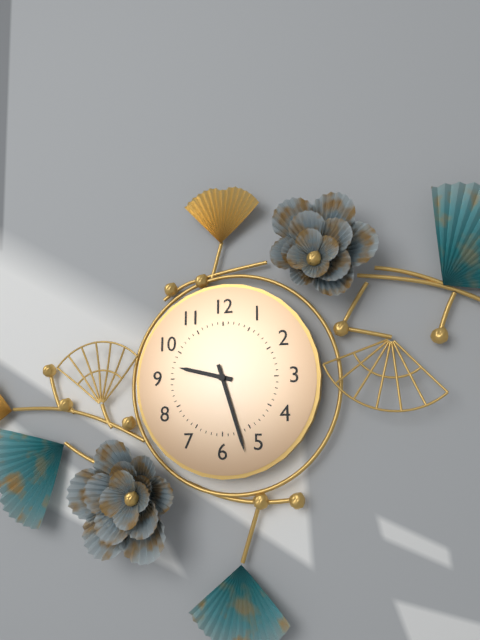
9:27
